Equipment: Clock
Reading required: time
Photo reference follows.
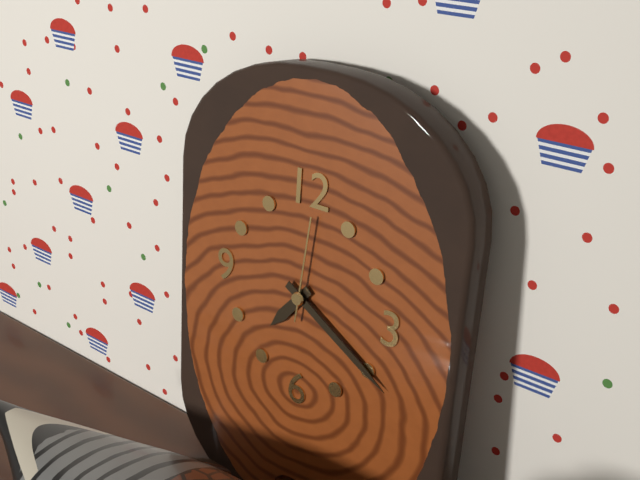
7:20:01
